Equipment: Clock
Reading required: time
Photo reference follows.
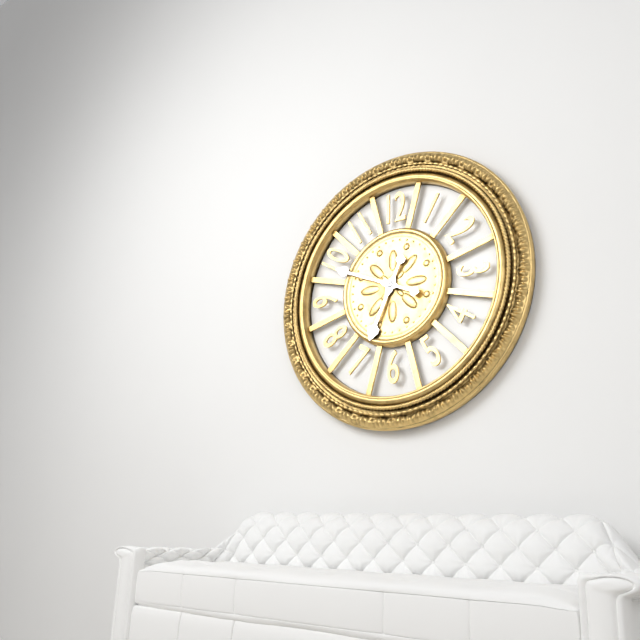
6:49
